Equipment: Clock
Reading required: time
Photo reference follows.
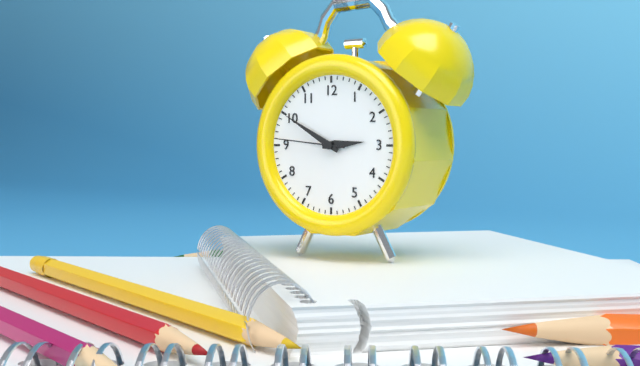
2:50:46
